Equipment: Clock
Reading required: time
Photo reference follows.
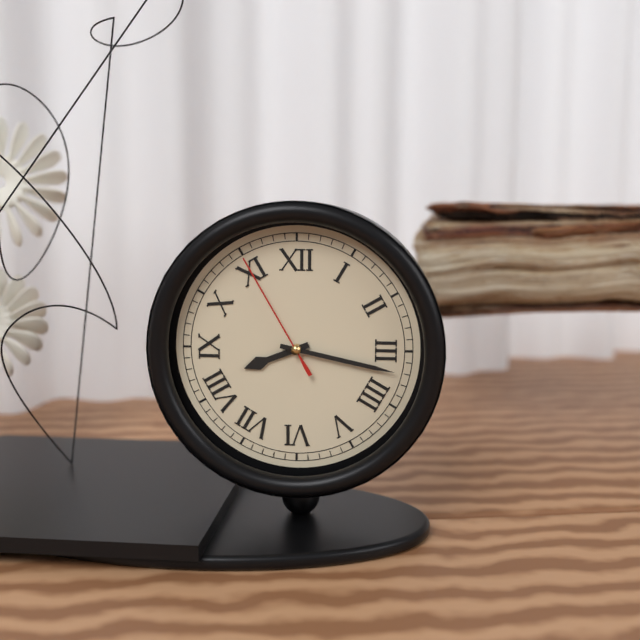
8:17:55
